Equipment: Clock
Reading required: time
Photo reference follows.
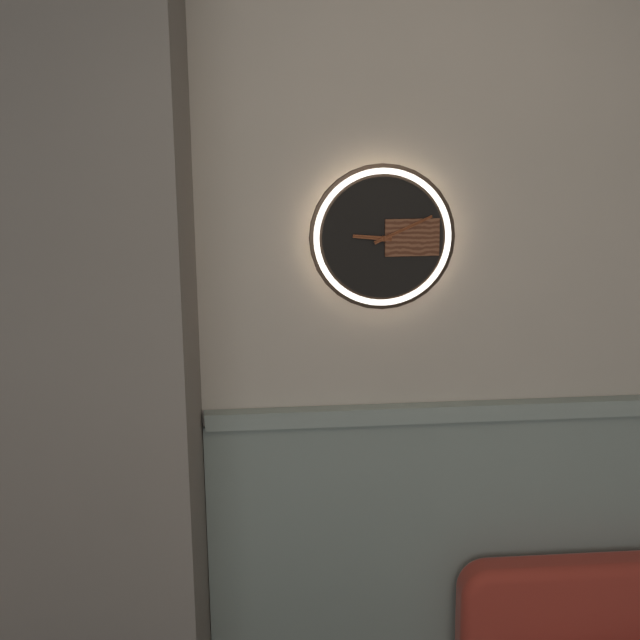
9:11
